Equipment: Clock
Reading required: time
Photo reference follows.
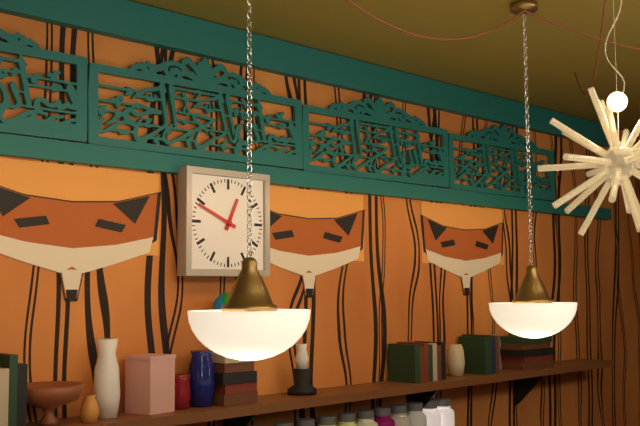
12:49
